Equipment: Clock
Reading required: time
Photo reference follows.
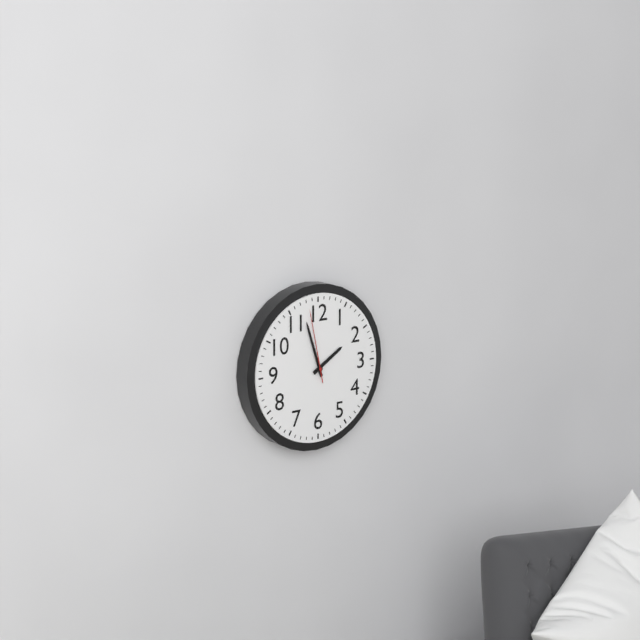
1:57:58
